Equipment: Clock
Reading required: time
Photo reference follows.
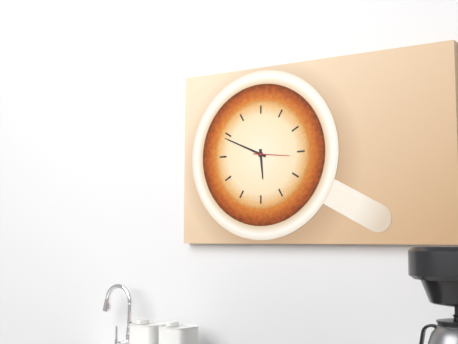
5:49
